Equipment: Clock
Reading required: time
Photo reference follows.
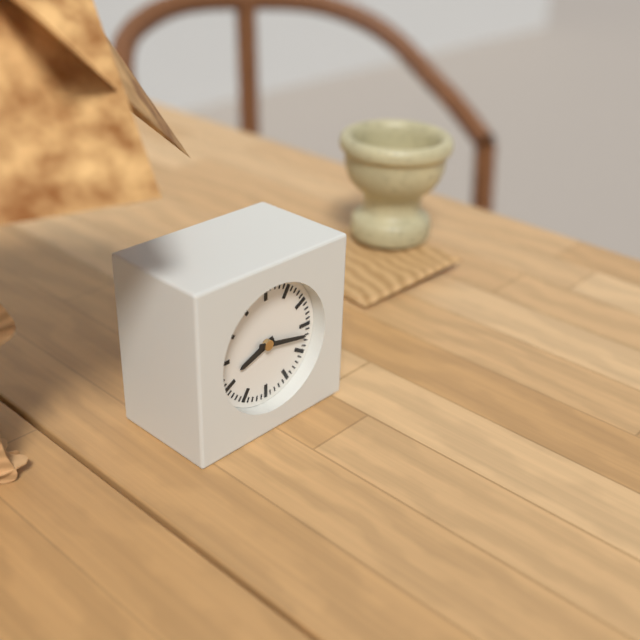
8:17
